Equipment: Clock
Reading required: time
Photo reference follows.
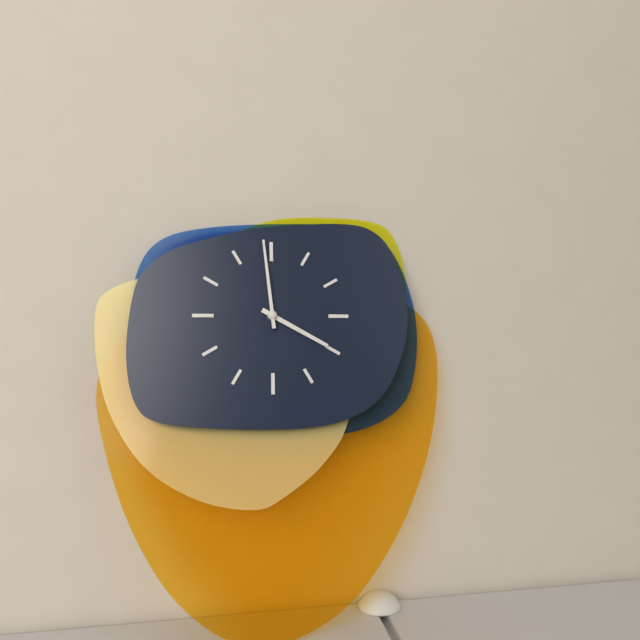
3:59
